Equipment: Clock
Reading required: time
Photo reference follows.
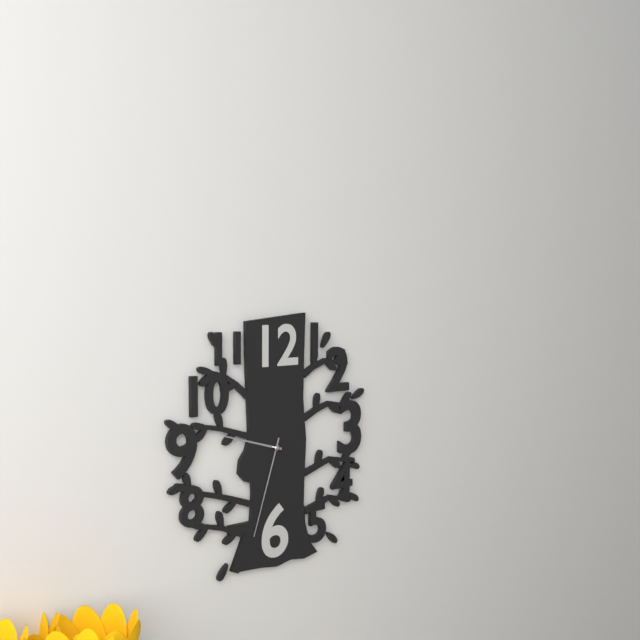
9:33
